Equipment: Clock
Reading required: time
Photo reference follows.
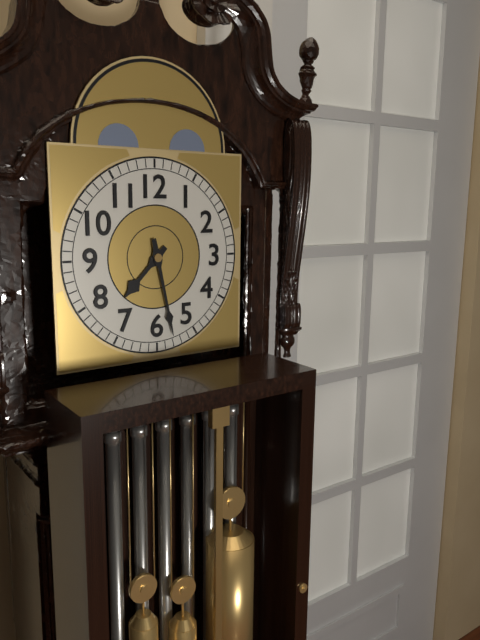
7:28
